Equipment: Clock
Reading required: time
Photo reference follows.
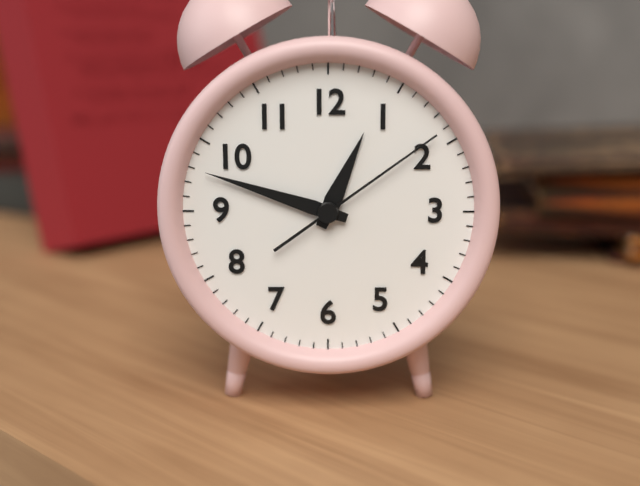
12:48:09
